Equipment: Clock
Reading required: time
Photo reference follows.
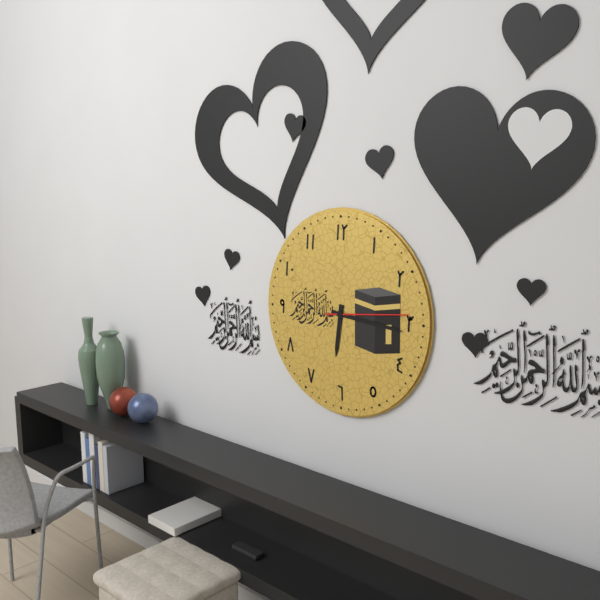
6:16:14
